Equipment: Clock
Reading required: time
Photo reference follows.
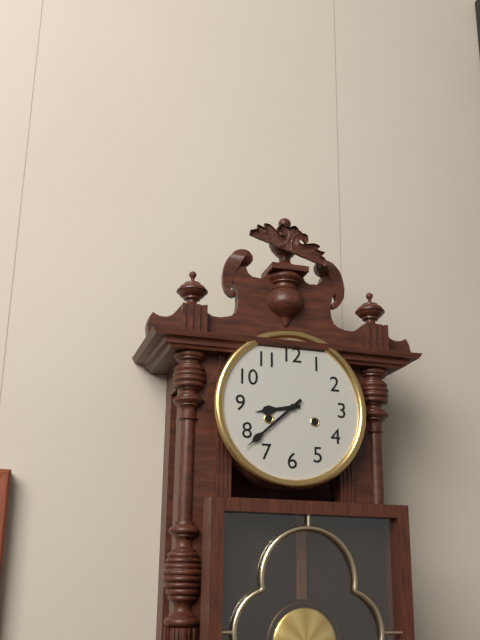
8:38
